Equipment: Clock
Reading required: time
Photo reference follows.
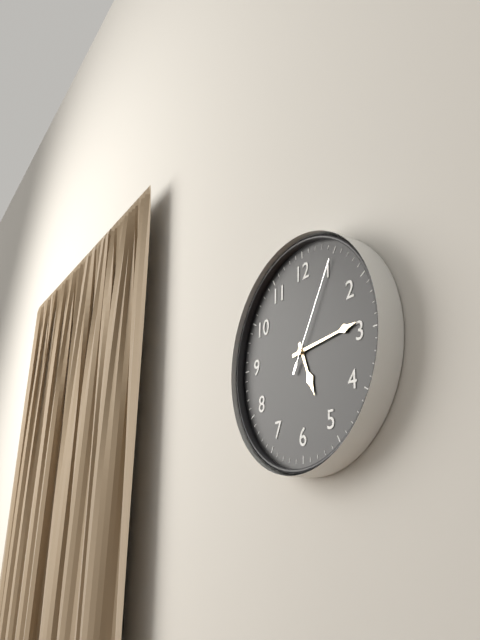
5:14:05
